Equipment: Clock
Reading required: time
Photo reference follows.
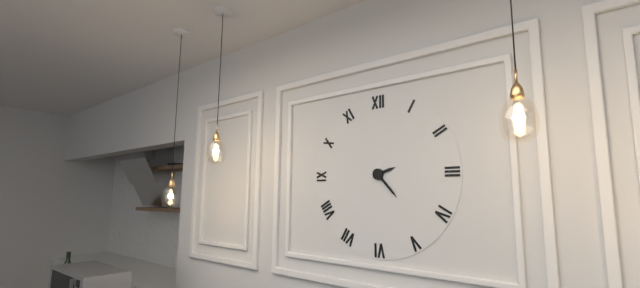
2:23
